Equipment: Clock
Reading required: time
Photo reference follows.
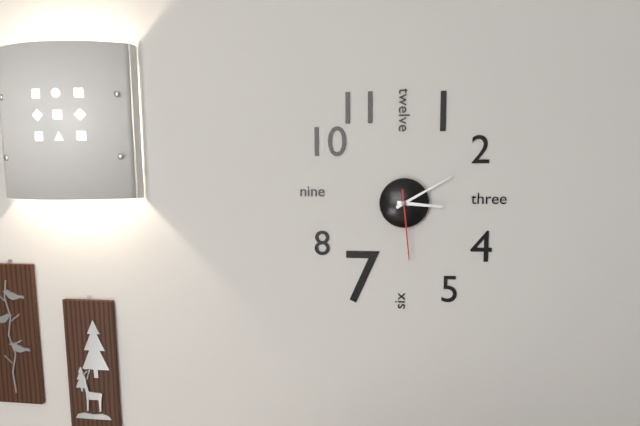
3:10:29
